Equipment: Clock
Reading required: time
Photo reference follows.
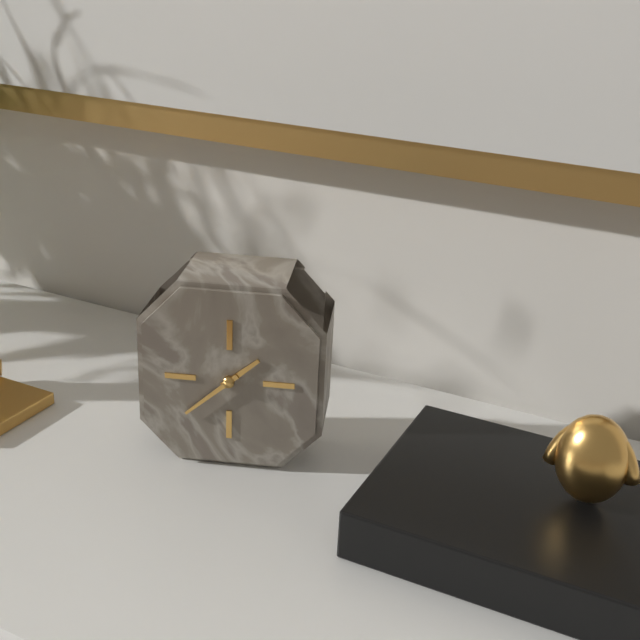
1:38
